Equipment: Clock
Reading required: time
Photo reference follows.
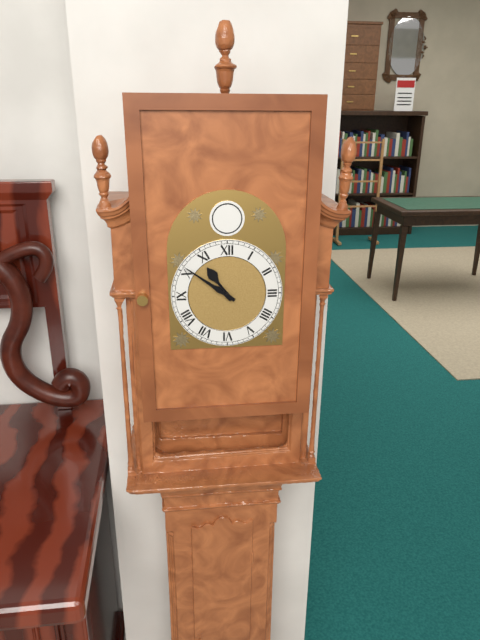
10:51
